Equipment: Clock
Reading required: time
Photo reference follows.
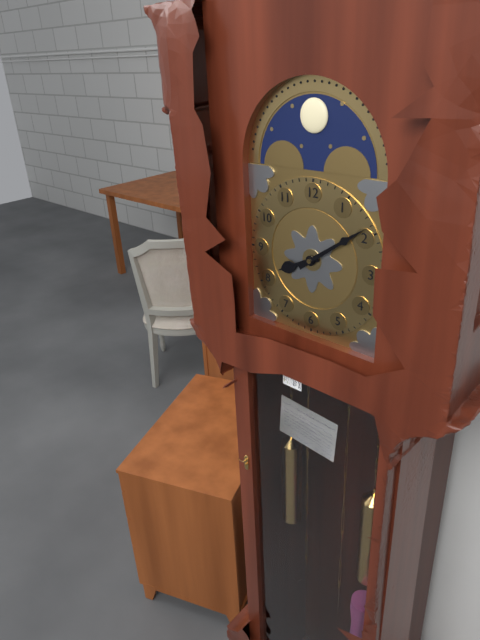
8:09
